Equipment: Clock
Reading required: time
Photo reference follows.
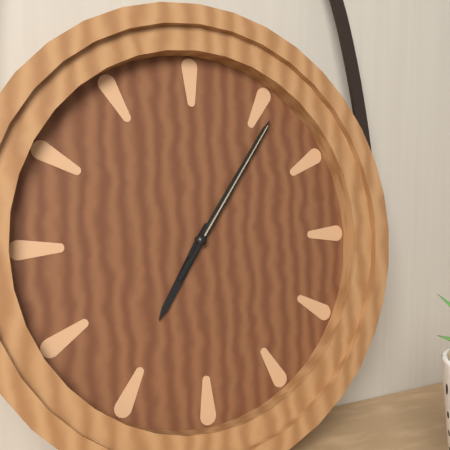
7:06:06
